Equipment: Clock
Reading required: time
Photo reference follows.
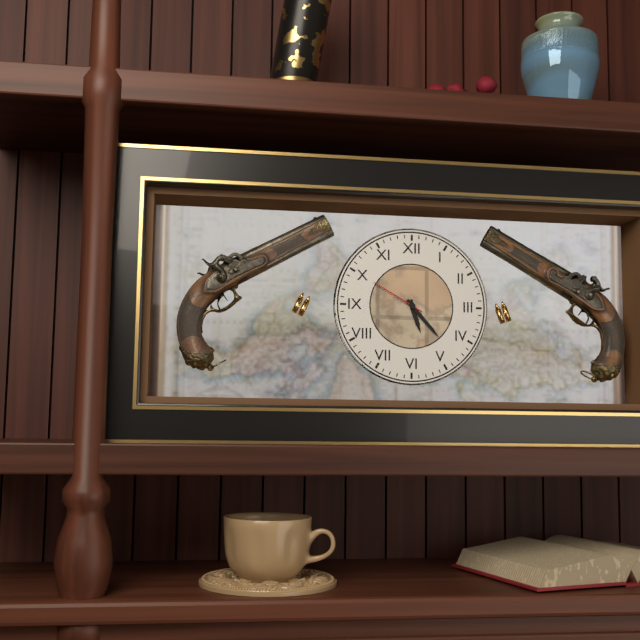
5:23:50
